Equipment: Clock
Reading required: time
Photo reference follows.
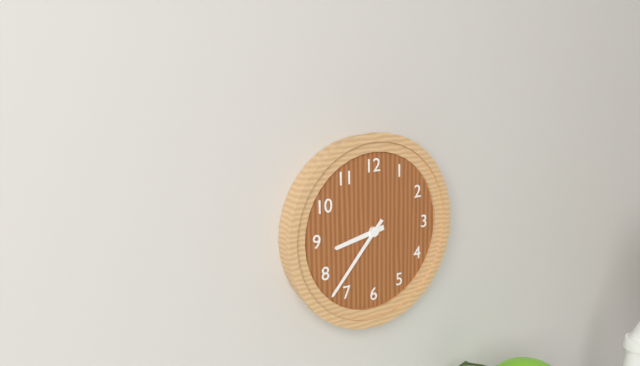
8:37
